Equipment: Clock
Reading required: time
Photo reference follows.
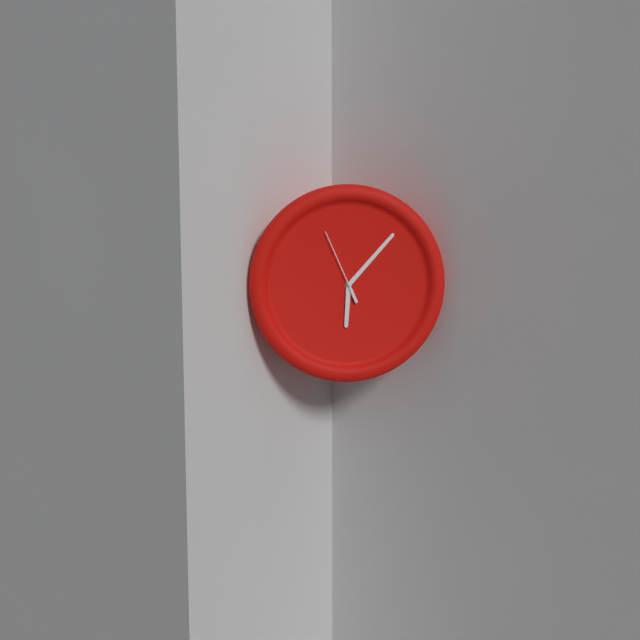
6:07:56
